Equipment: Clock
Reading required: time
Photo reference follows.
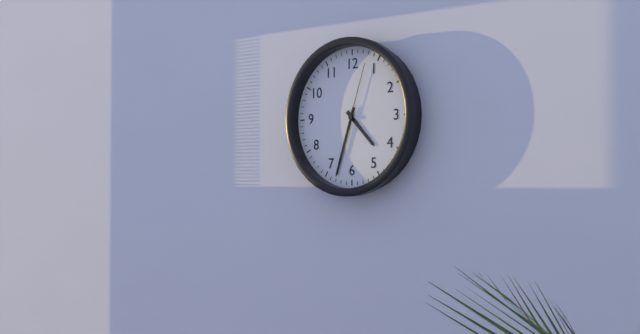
4:33:03
